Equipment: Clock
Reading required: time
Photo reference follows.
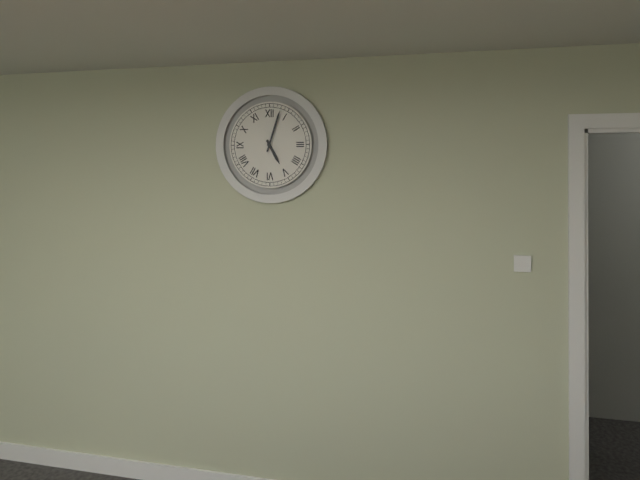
5:03
